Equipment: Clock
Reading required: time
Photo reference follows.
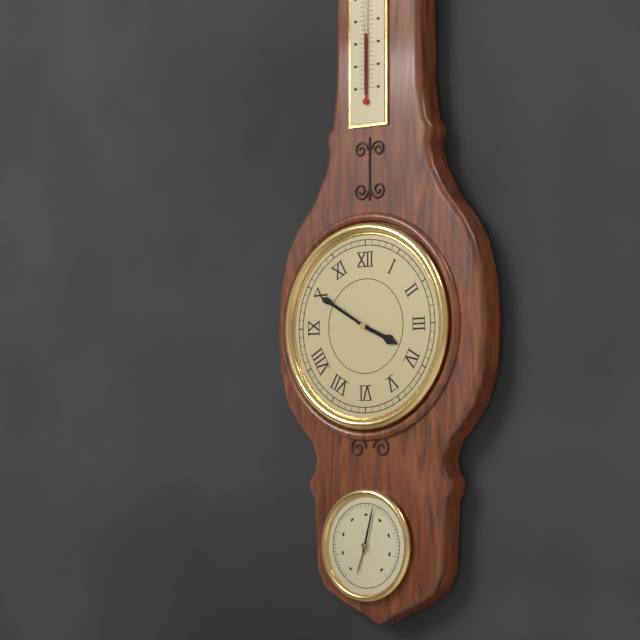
3:50
